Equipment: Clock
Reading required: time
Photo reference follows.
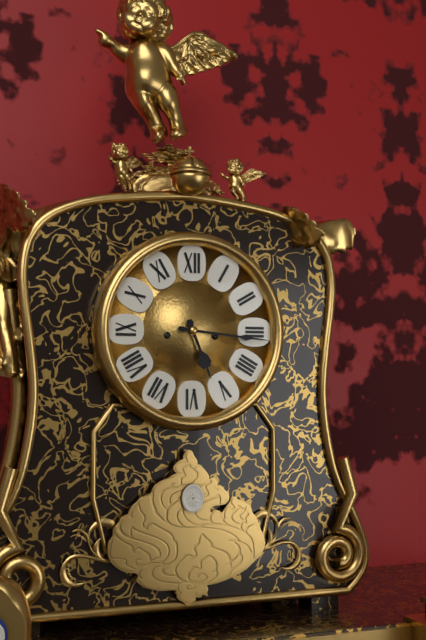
5:16
